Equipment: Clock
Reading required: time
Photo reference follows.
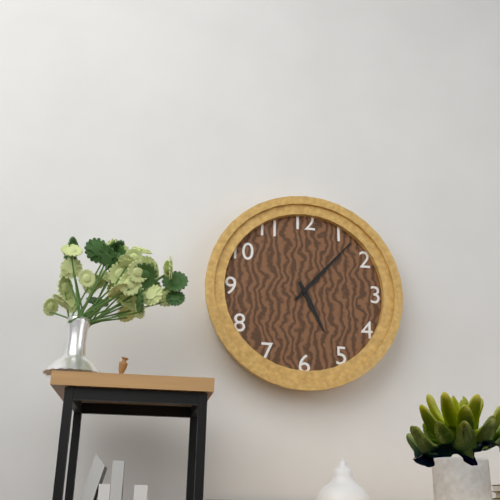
5:07
